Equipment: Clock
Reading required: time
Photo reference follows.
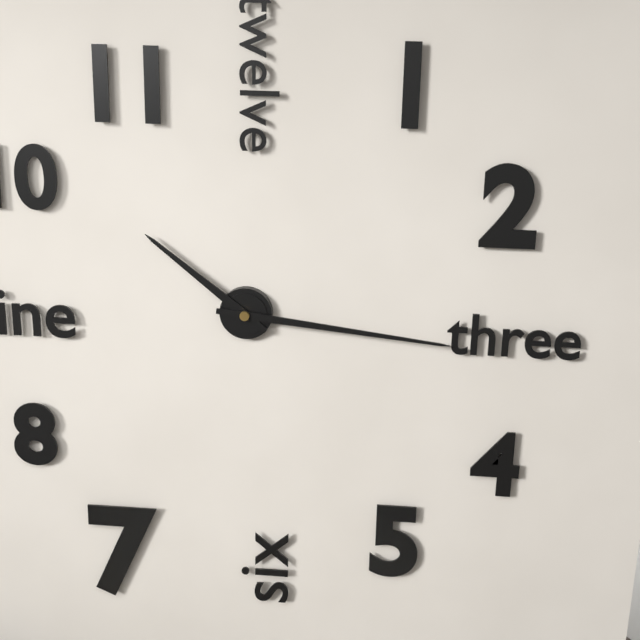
10:16
